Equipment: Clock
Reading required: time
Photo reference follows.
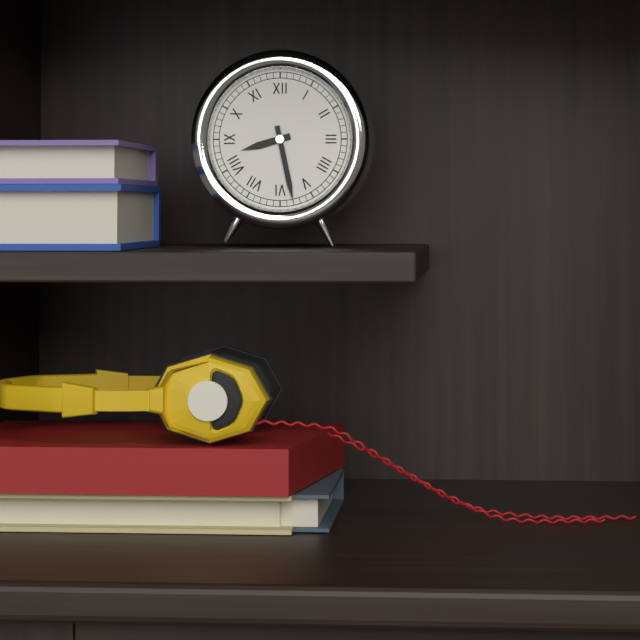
8:28
